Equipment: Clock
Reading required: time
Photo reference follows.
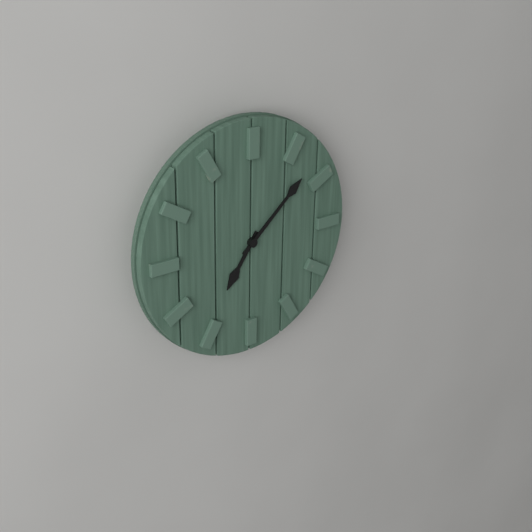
7:08
